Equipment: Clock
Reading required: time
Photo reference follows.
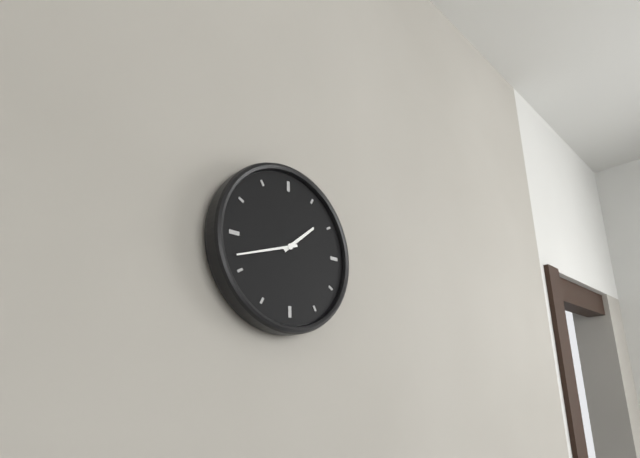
1:42
